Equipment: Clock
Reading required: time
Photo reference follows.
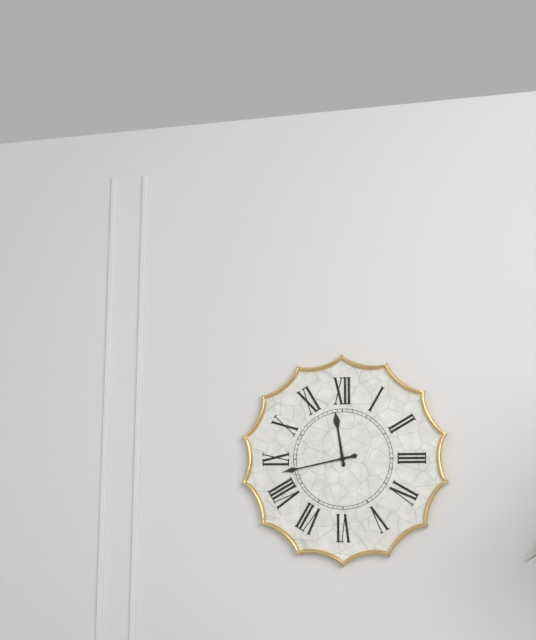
11:43
